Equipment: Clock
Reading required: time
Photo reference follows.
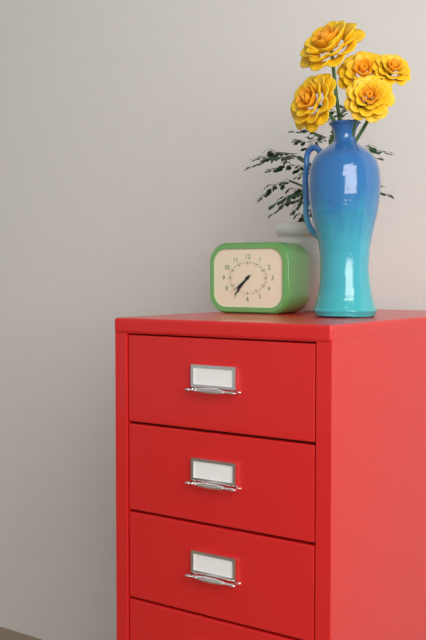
7:37
